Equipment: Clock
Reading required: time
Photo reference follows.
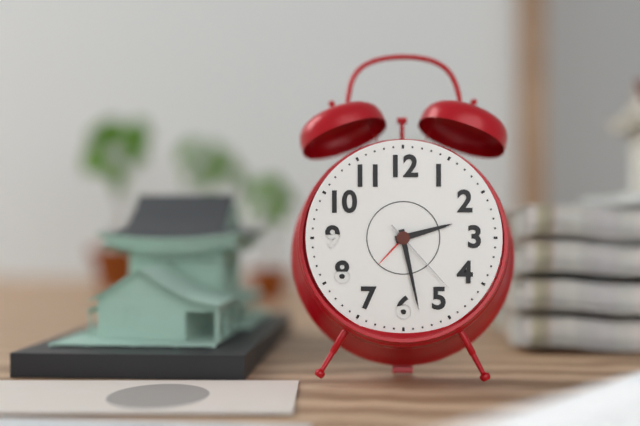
2:28:23
